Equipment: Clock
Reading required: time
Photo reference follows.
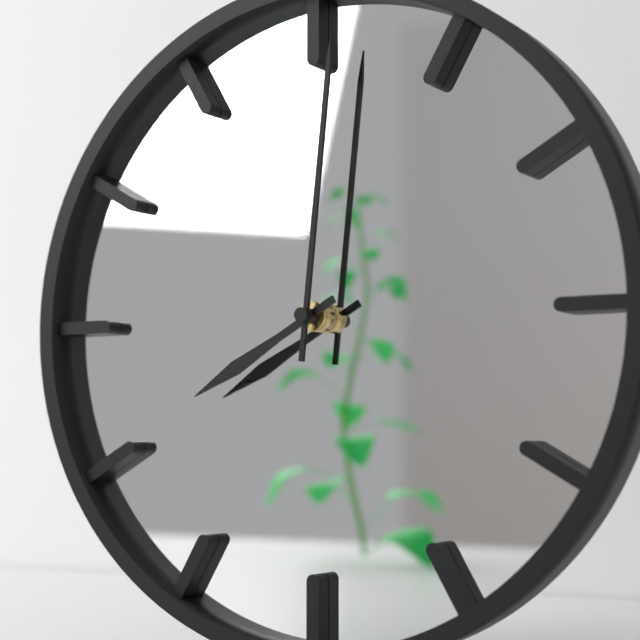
8:01
